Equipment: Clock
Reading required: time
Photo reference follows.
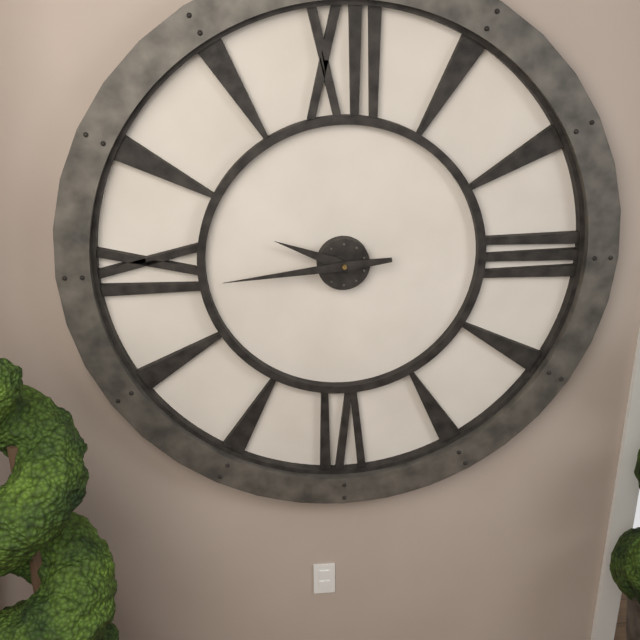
9:44
